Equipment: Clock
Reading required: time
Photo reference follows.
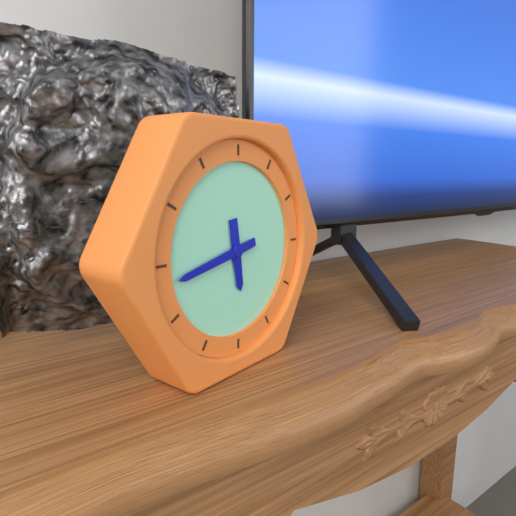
5:43
